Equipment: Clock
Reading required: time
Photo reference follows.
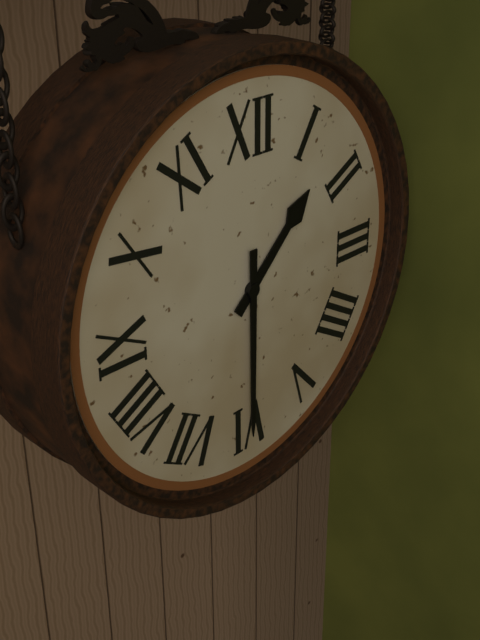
1:30
